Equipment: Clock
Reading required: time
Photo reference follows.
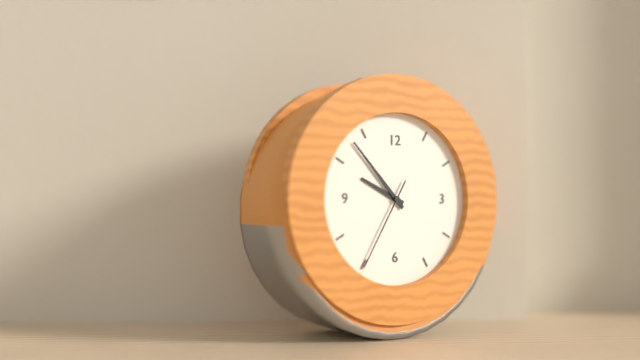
9:53:35
